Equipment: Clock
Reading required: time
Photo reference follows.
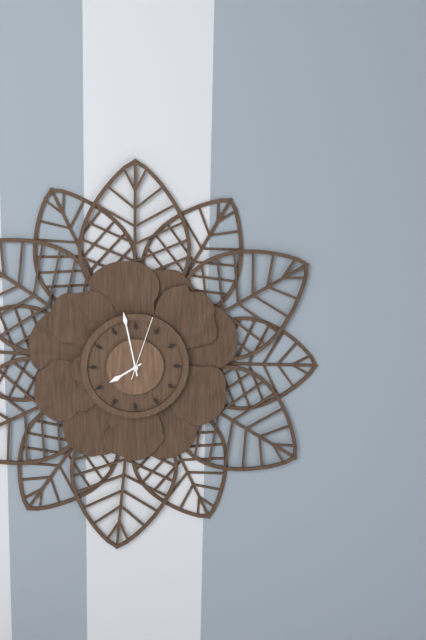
7:58:03
